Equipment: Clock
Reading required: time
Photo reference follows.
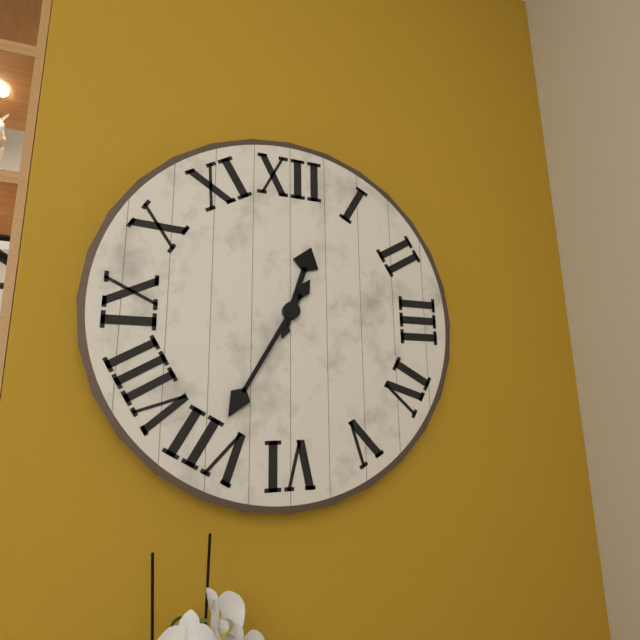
12:35
